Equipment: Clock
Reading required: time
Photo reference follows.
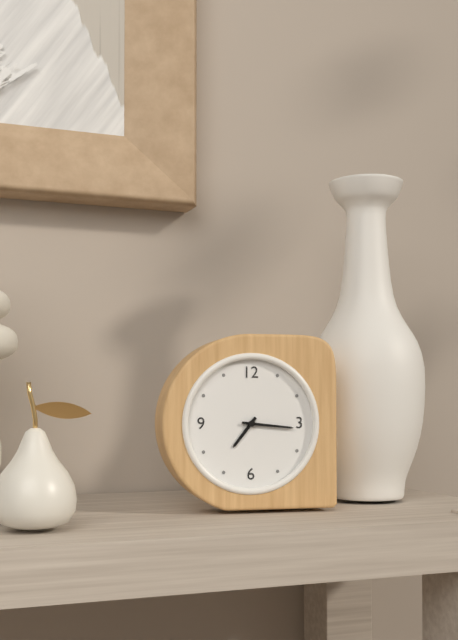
7:16
